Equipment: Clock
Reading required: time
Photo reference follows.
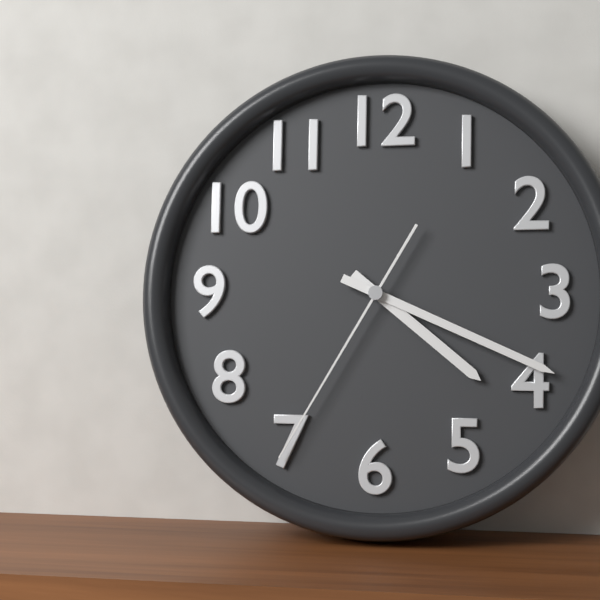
4:19:35
